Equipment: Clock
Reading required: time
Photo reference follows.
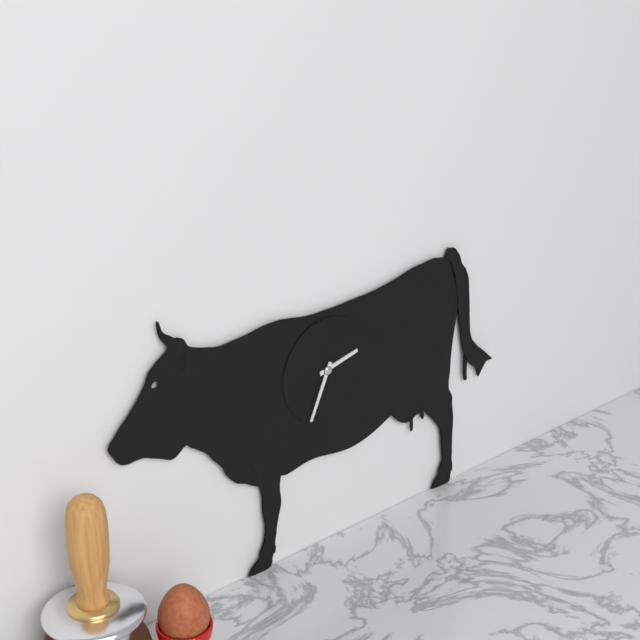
2:34
